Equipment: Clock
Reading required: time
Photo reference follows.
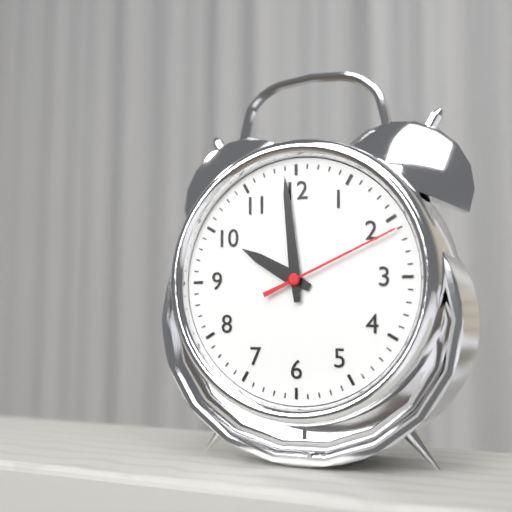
9:59:11
